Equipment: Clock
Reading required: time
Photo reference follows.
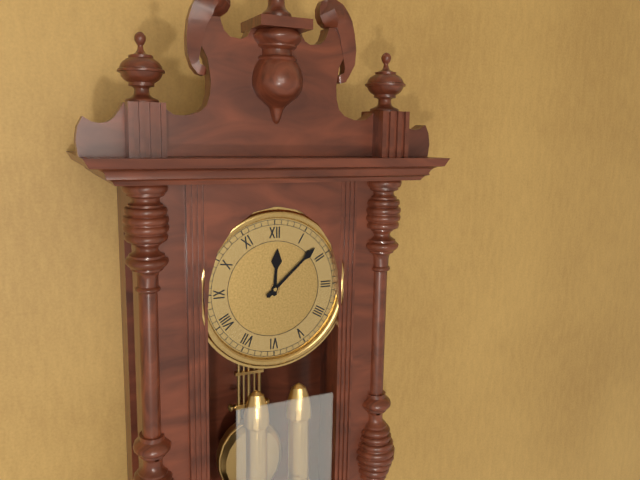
12:08
